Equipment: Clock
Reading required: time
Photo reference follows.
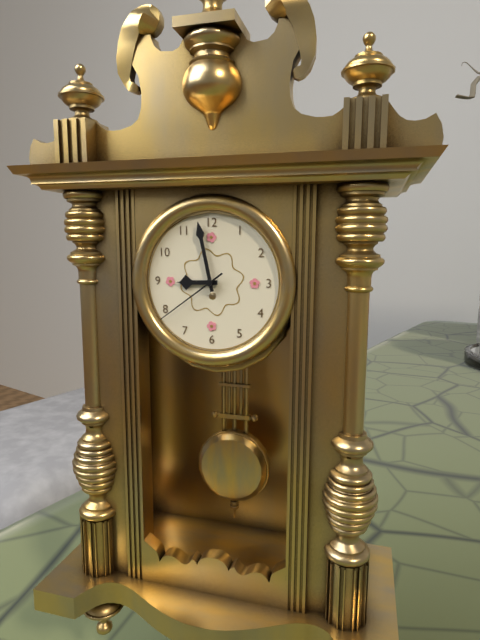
8:58:39
